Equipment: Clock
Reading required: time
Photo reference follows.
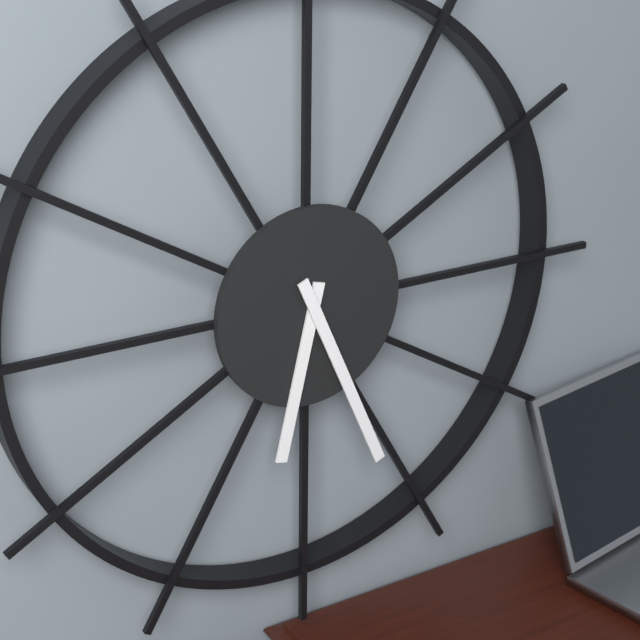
6:26
